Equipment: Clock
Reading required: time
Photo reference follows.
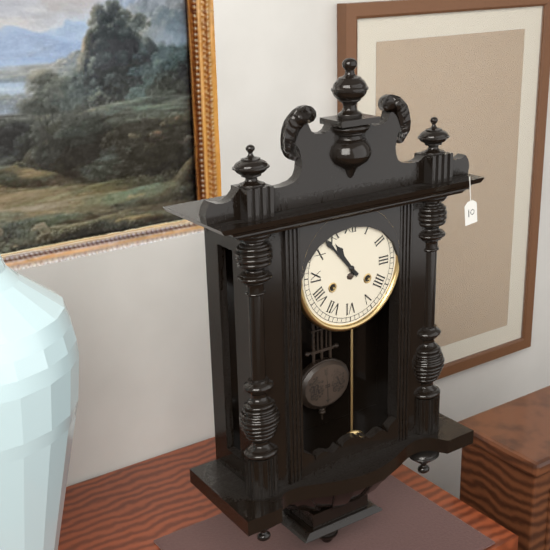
10:53
